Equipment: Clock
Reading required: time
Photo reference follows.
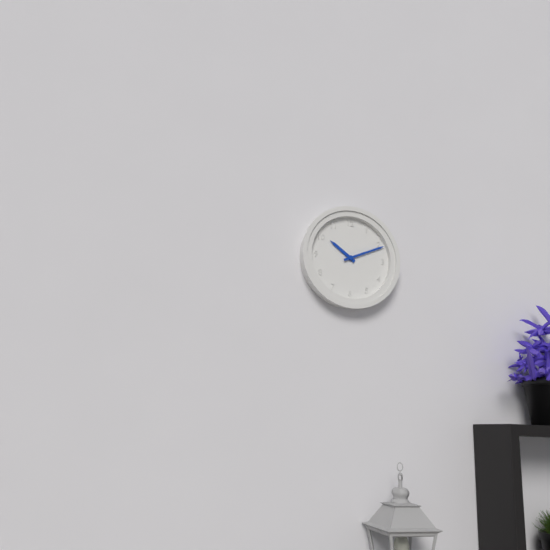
10:11
